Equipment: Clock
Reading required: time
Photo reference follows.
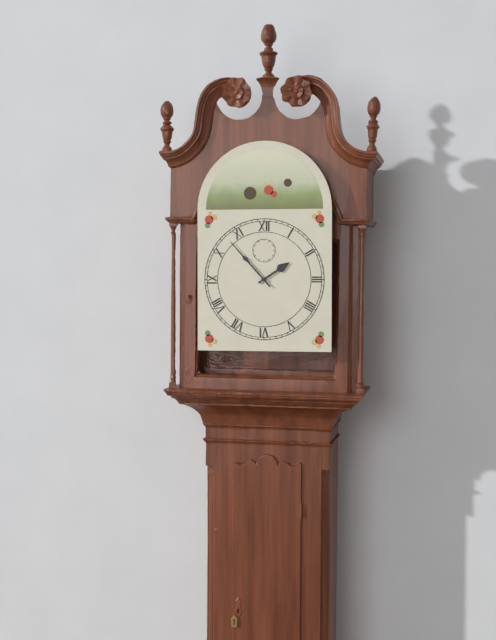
1:53
